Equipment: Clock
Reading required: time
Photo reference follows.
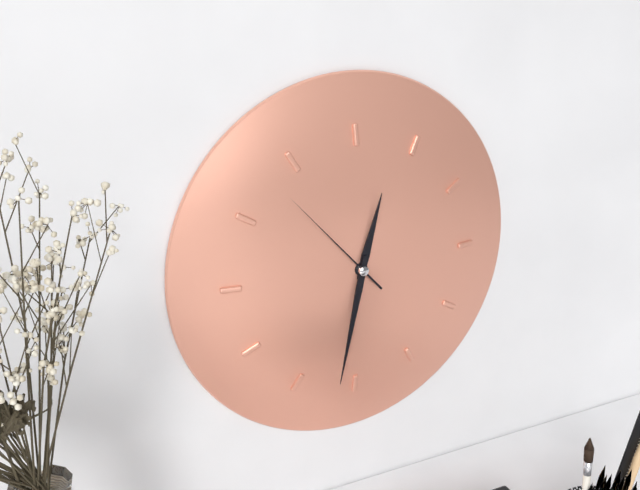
12:32:53
